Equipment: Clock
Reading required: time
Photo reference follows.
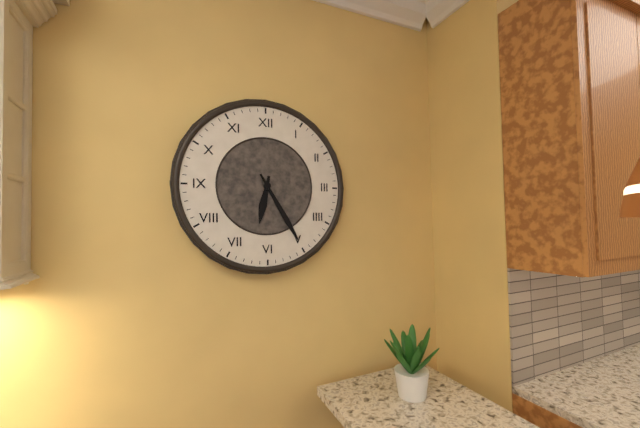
6:25
